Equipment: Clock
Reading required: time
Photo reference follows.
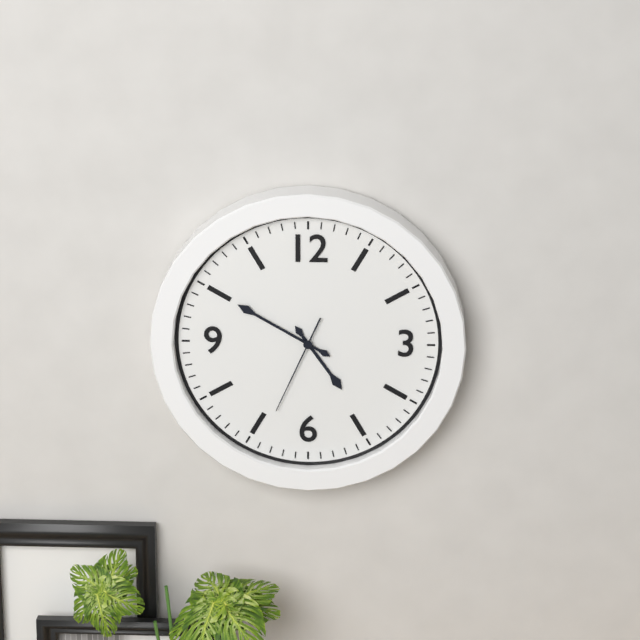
4:50:34
